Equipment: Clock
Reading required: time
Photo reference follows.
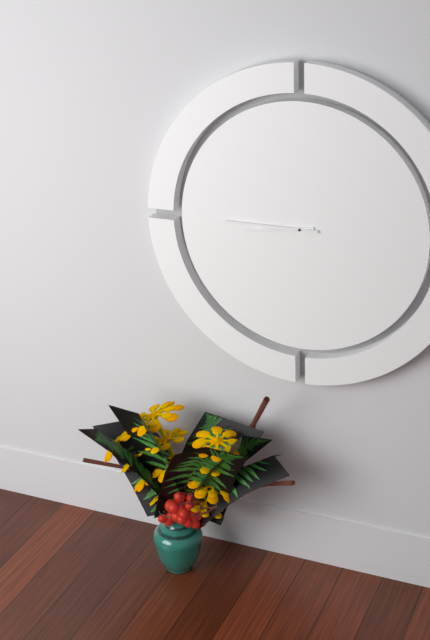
8:45
